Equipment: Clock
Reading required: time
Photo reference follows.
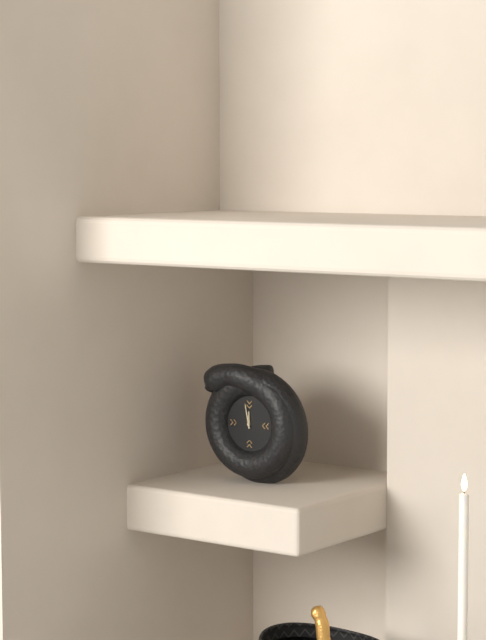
11:58
